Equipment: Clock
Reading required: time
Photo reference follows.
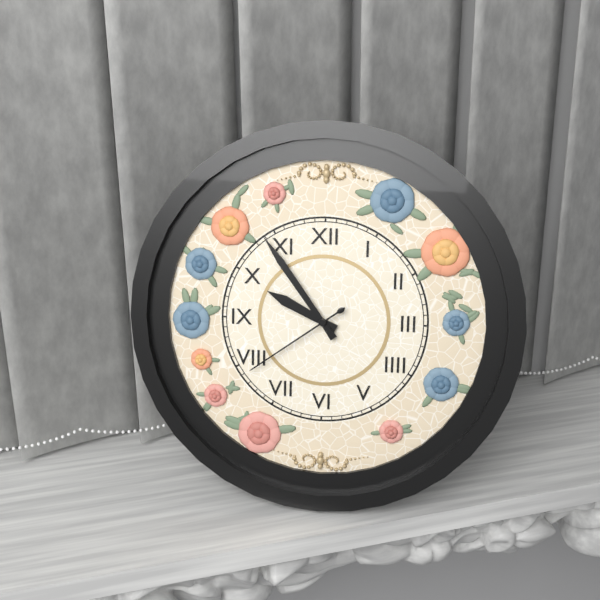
9:54:39
